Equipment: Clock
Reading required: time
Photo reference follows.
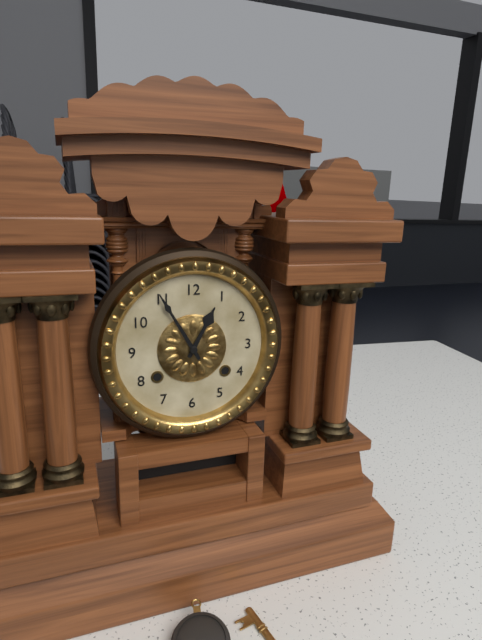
12:55
